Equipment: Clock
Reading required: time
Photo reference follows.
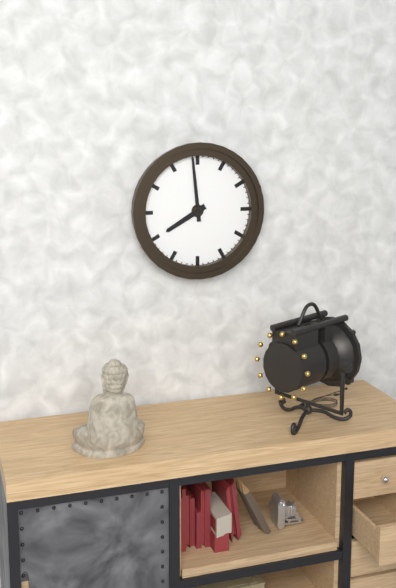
7:59
